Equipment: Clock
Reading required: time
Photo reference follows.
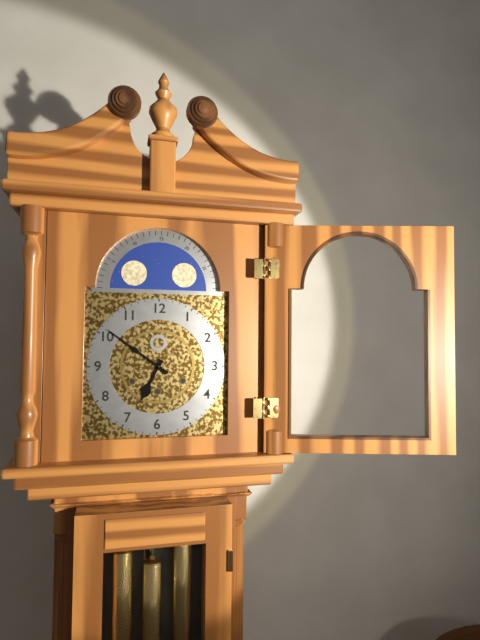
6:51
